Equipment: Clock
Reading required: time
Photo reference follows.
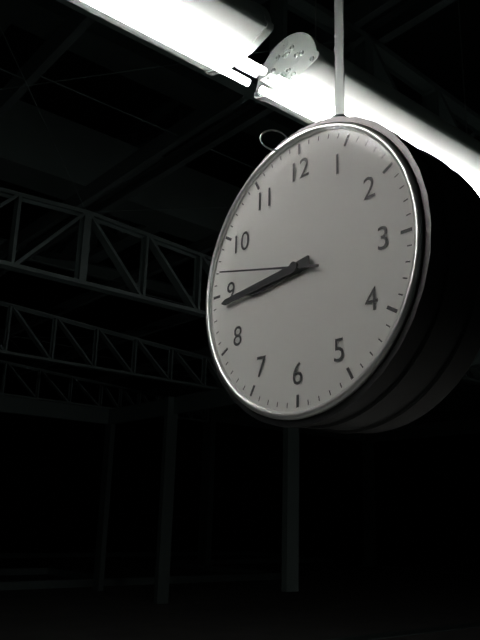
8:44:47
